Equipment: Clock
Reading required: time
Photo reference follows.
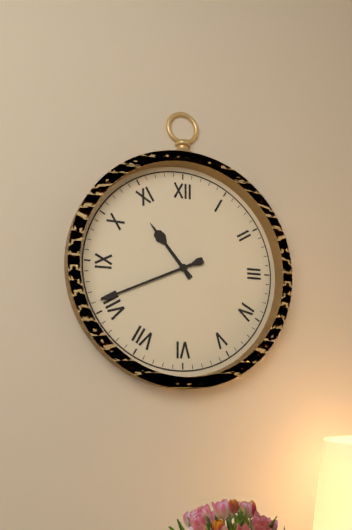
10:41
